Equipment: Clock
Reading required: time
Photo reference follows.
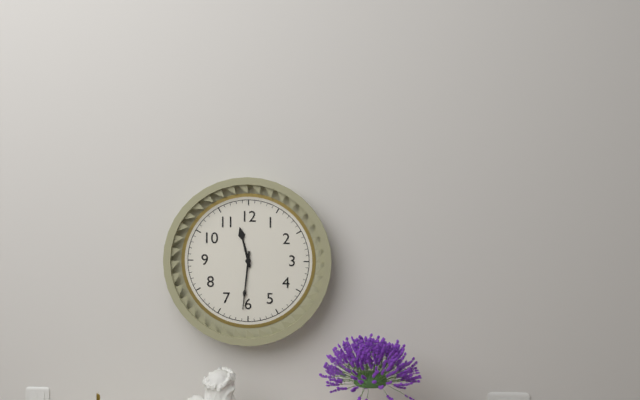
11:31
